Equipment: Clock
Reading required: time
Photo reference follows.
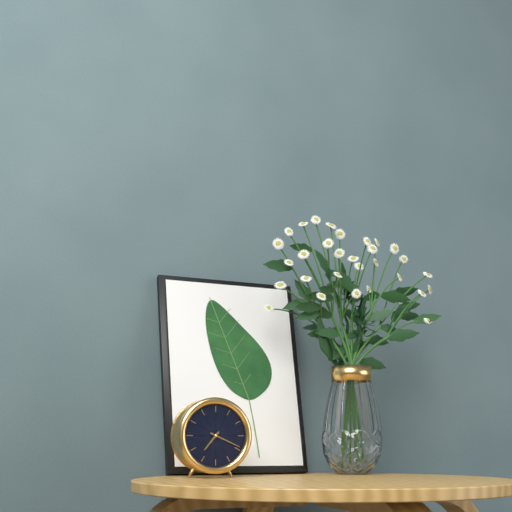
7:19
